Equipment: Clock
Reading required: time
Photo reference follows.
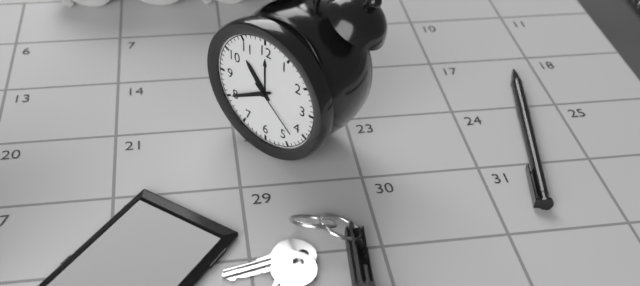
10:40:22
